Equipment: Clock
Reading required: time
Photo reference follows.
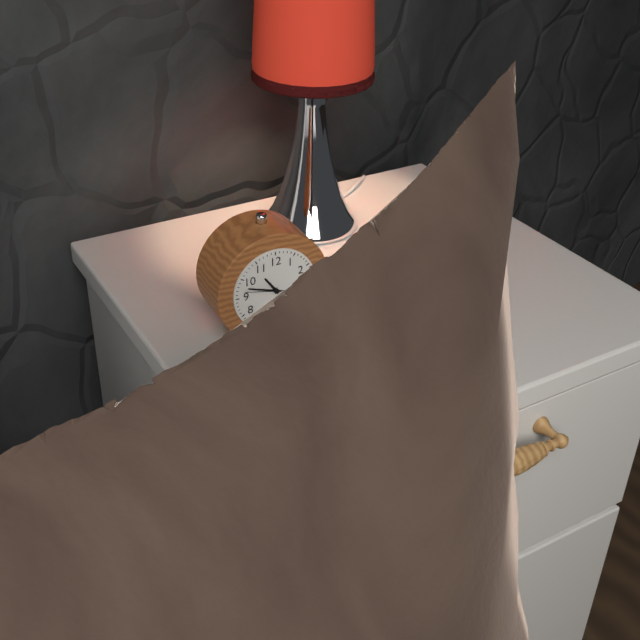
10:48
